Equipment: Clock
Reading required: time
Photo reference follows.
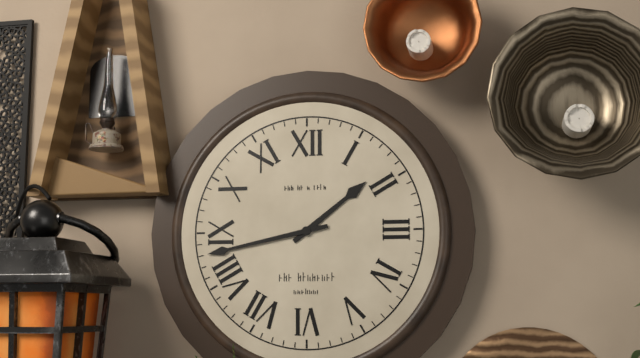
1:43
